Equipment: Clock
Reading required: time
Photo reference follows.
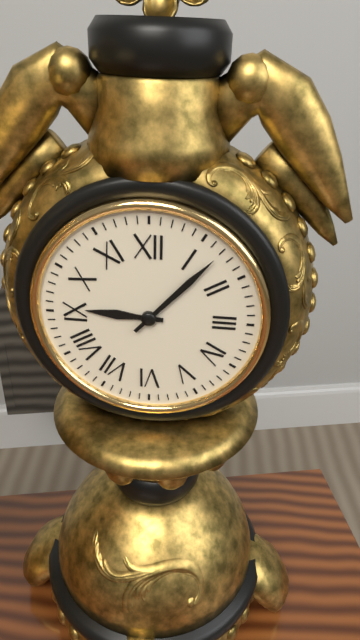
9:07
